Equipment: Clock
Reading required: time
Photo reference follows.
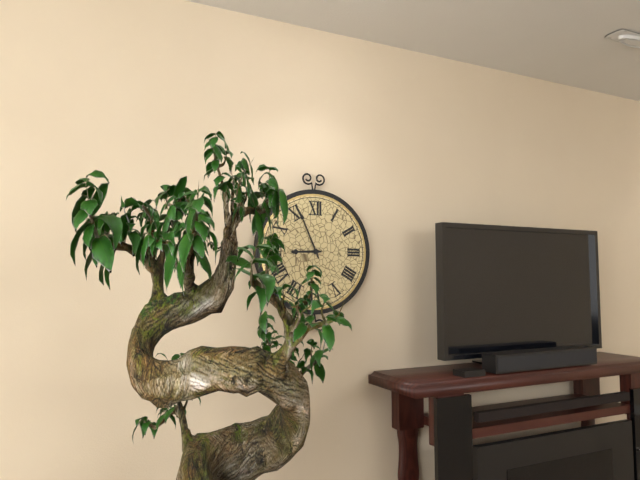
8:56
